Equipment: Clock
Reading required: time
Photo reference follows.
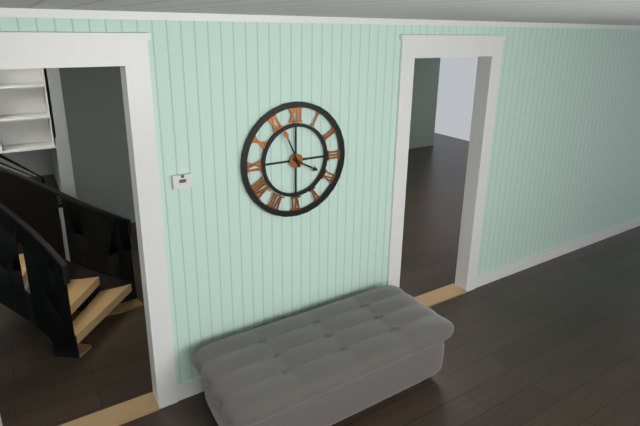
3:56
